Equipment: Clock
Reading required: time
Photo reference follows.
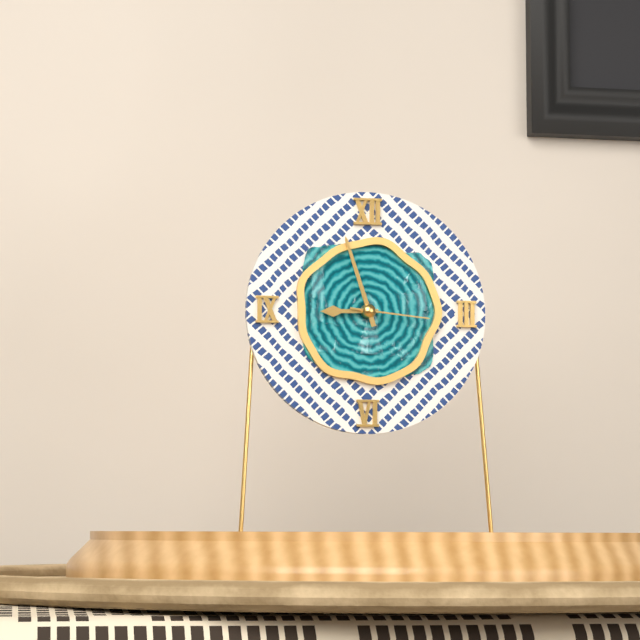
8:57:16
